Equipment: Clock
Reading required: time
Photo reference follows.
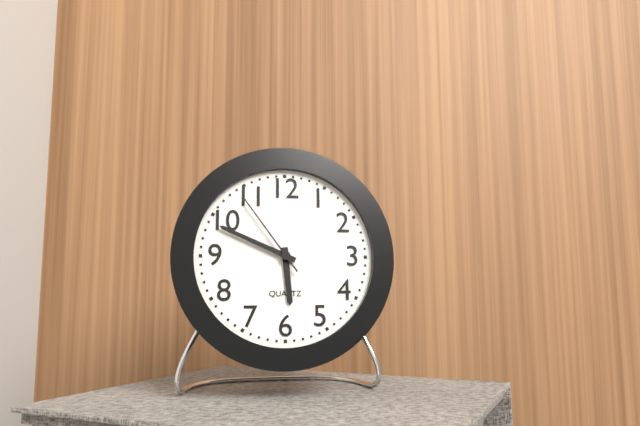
5:49:54
